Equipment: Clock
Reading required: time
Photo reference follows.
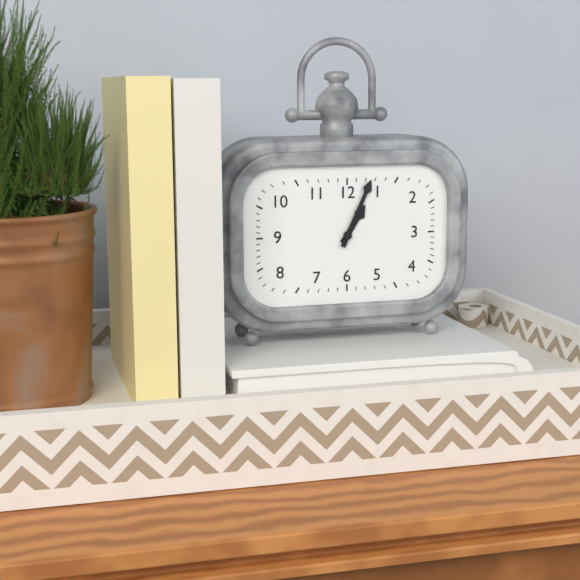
1:04
